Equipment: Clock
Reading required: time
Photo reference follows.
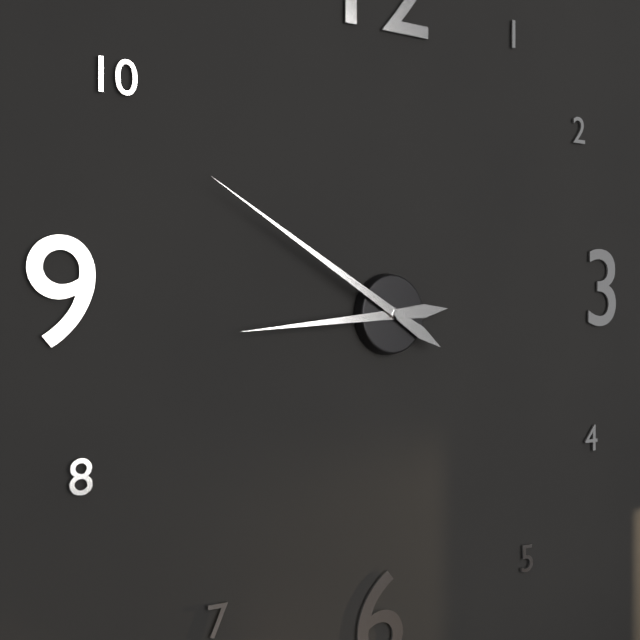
8:50
